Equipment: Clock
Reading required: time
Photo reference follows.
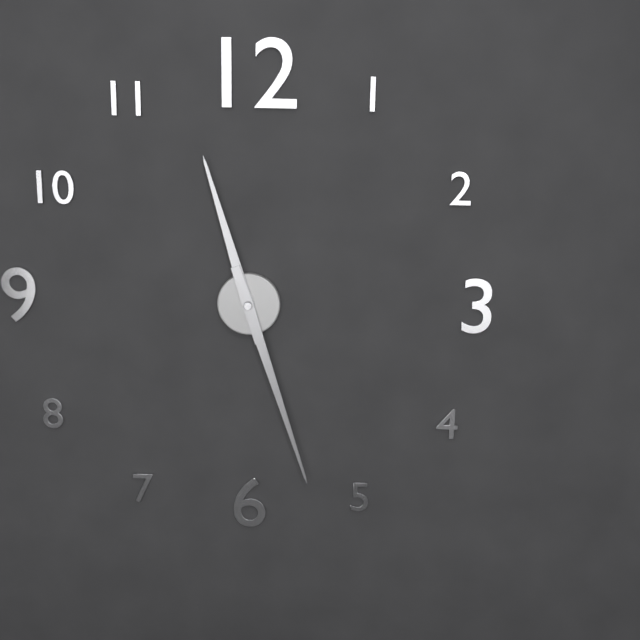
11:27
